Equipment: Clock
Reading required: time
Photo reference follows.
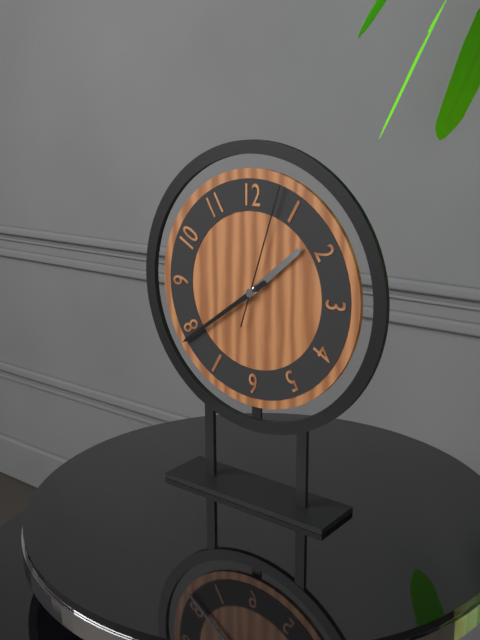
1:39:03
